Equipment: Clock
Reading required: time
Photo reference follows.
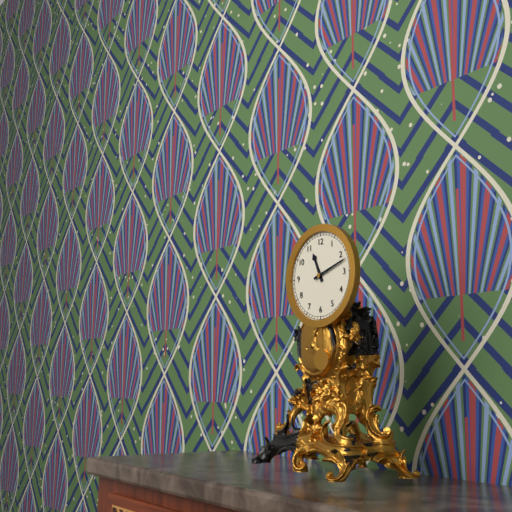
11:12
